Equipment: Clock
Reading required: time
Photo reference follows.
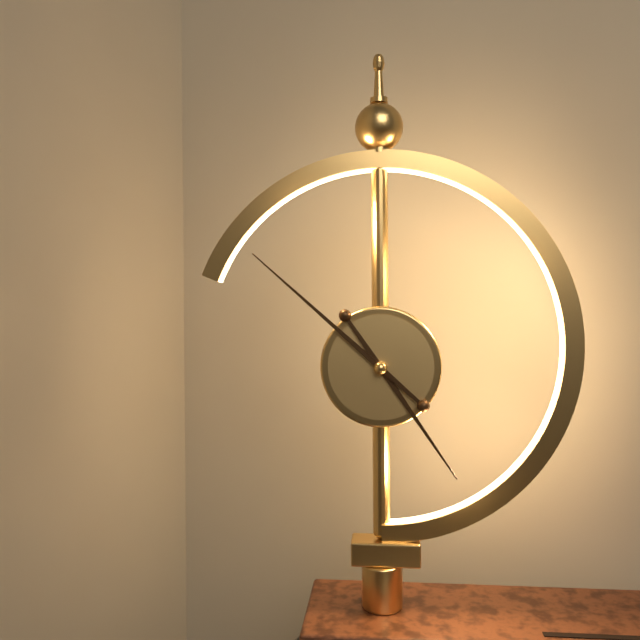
4:52
